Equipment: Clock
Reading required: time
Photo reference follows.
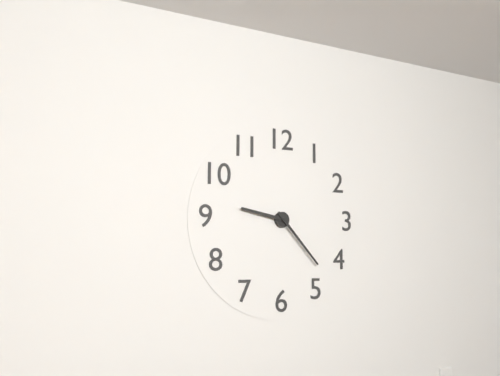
9:23
